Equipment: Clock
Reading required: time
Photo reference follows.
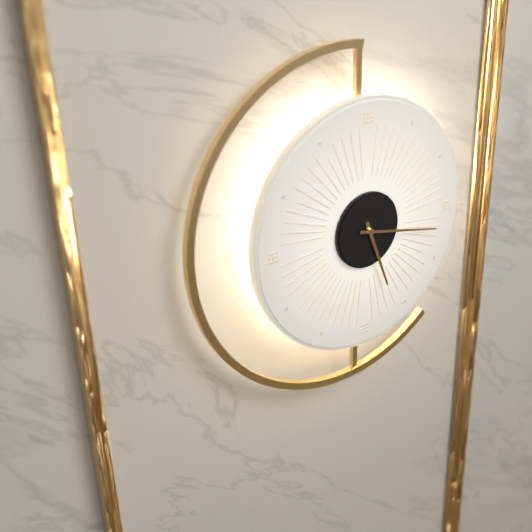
5:17
